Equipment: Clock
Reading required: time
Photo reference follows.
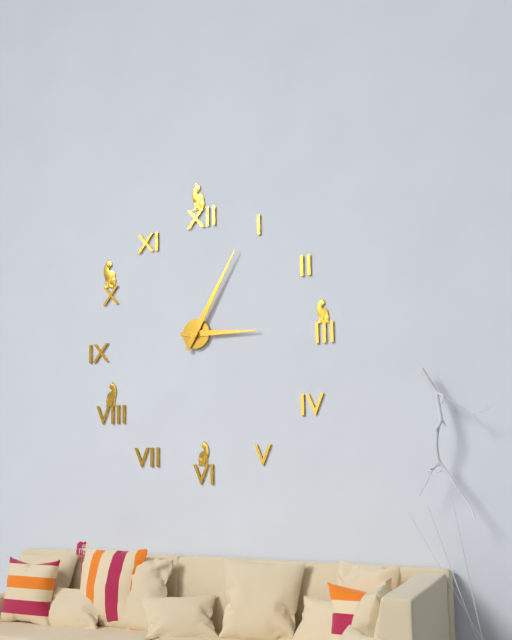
3:05
